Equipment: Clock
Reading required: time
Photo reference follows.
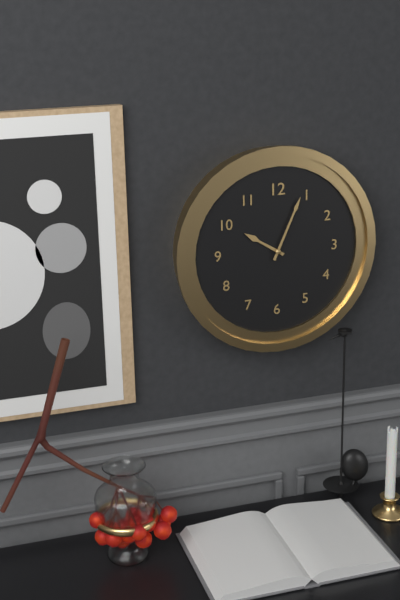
10:04
